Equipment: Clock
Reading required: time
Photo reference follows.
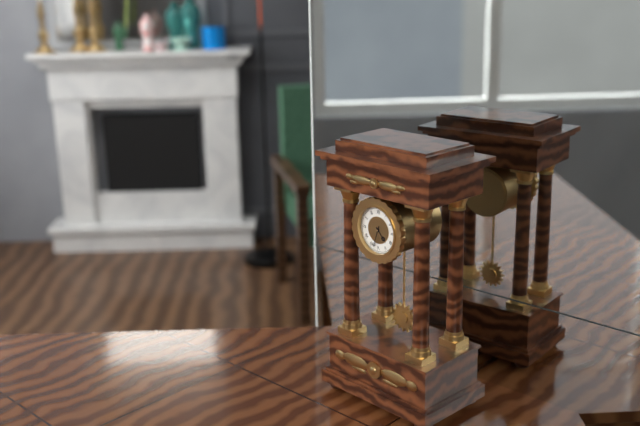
4:33
